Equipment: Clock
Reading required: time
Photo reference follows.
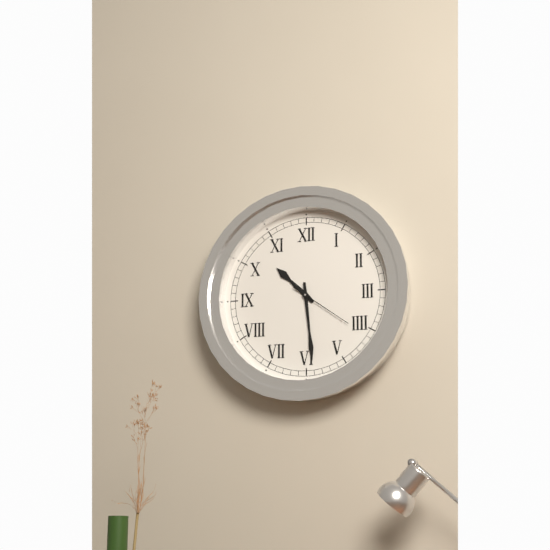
10:29:21
